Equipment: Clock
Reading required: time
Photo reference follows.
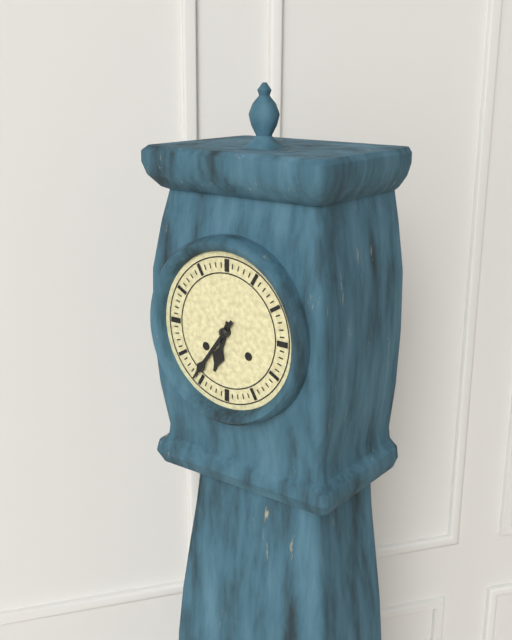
6:36
